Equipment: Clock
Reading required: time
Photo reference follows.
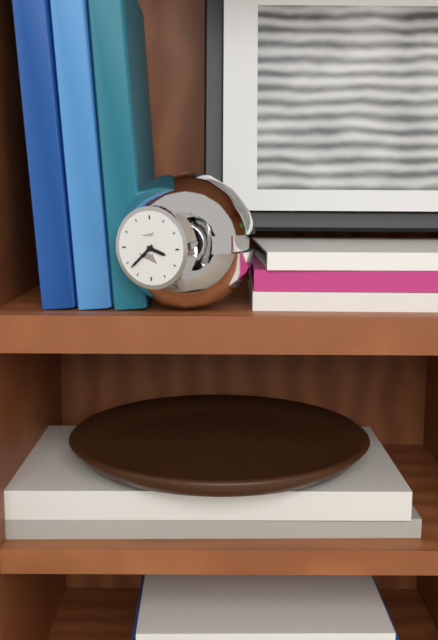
3:38
